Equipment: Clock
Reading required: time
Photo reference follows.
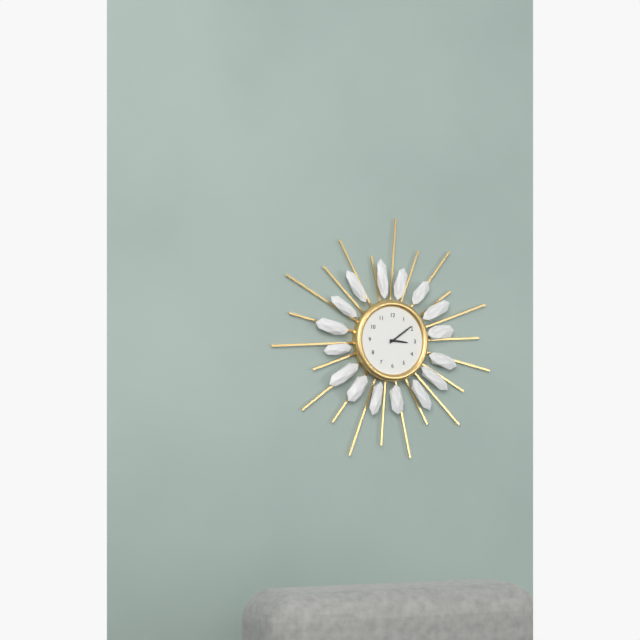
3:09
